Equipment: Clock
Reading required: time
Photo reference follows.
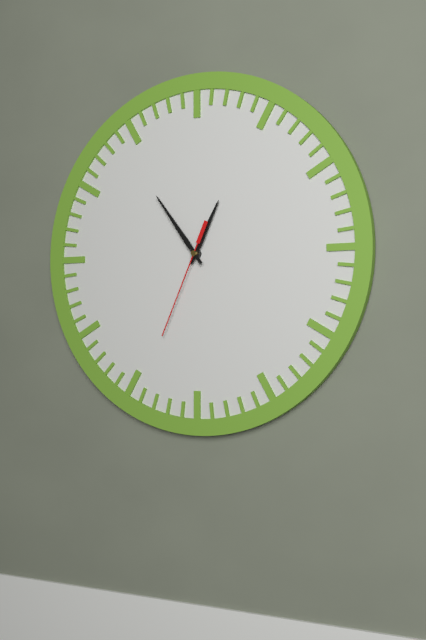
12:54:34
